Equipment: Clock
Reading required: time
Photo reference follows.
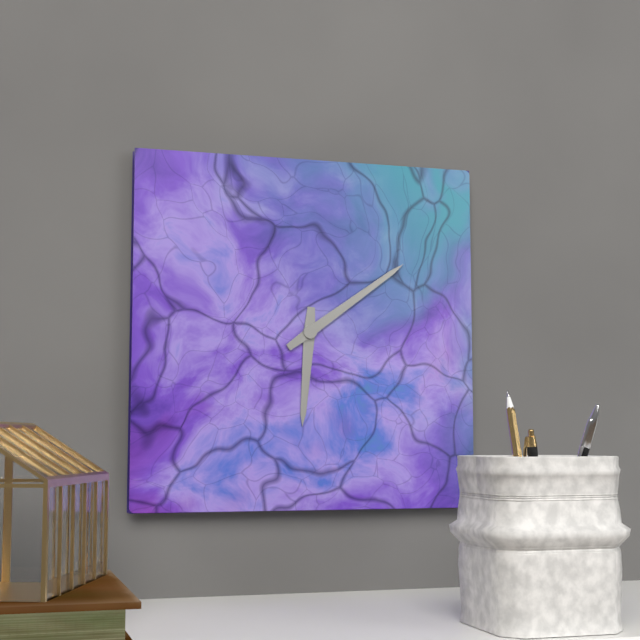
6:09
